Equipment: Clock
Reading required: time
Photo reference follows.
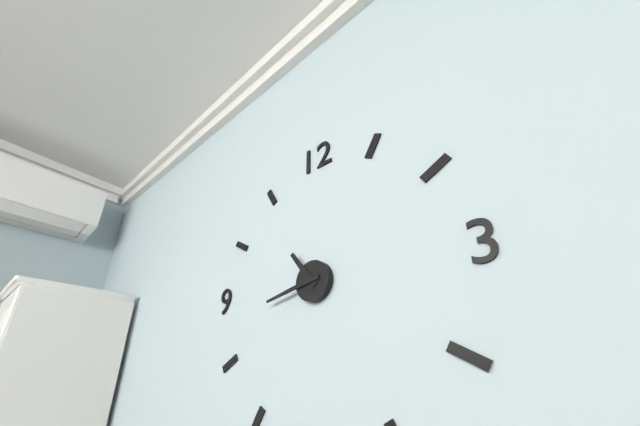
10:43
